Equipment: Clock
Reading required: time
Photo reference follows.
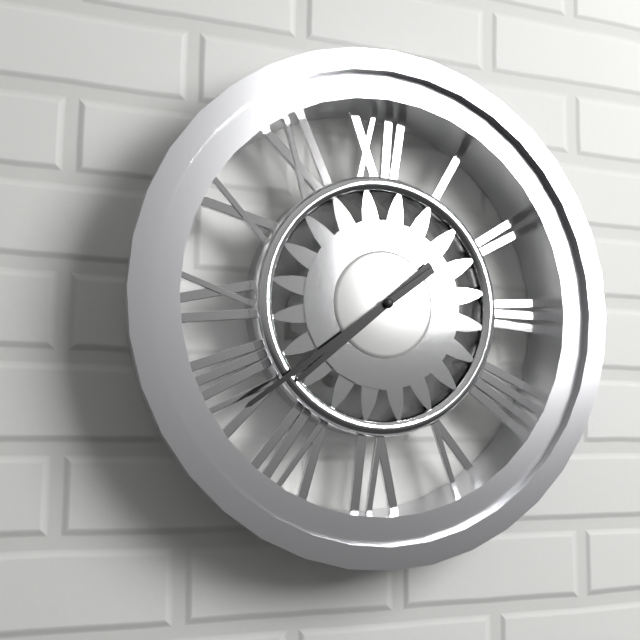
7:39
